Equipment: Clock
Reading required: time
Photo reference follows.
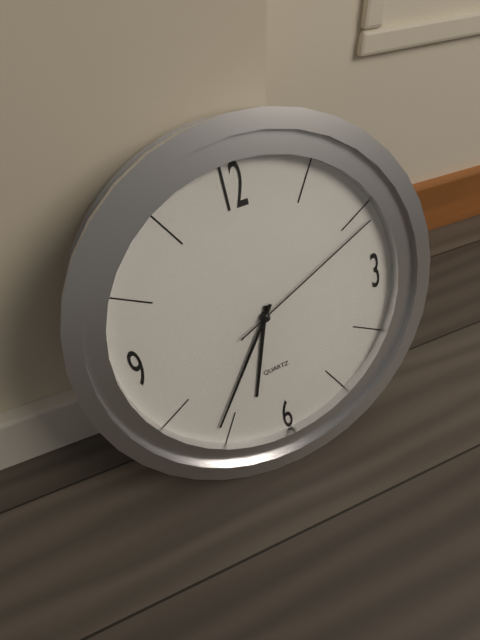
6:36:11
